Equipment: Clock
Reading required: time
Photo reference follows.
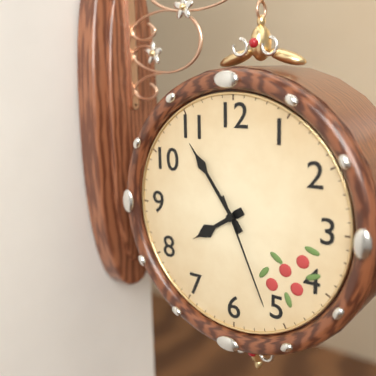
7:54:26
